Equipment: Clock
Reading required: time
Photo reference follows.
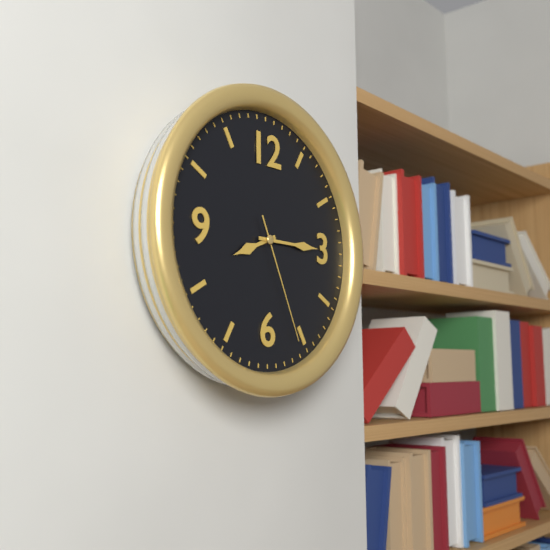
8:15:26
